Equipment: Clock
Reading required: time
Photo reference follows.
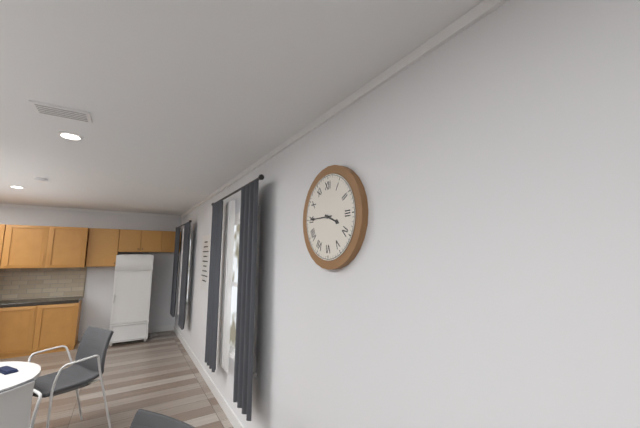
3:45
